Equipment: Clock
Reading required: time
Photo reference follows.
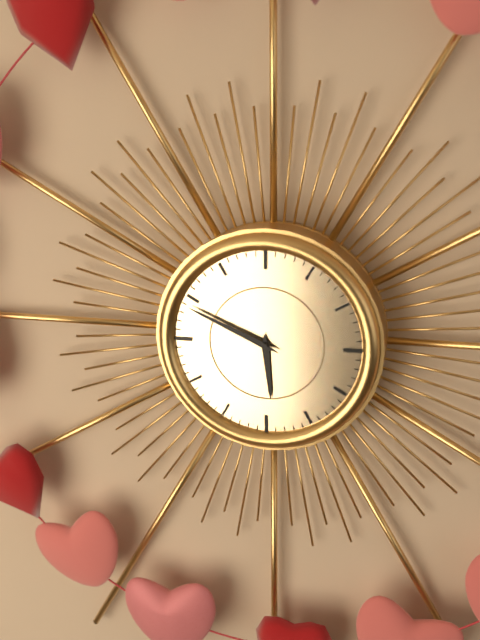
5:49
